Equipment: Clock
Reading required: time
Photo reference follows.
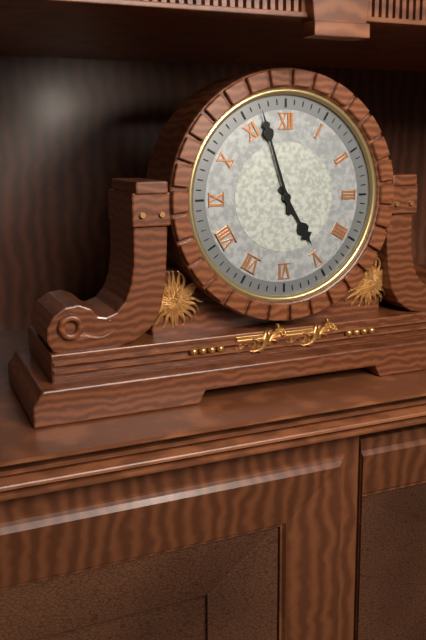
4:57
